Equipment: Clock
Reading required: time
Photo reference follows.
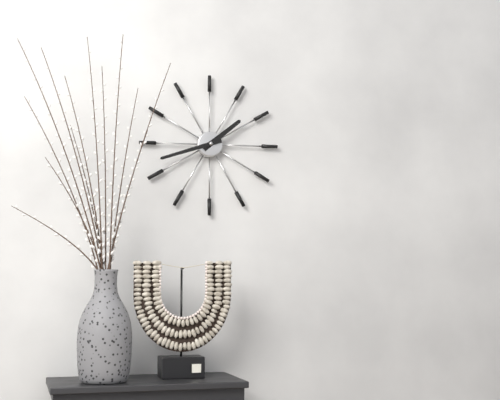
1:42
